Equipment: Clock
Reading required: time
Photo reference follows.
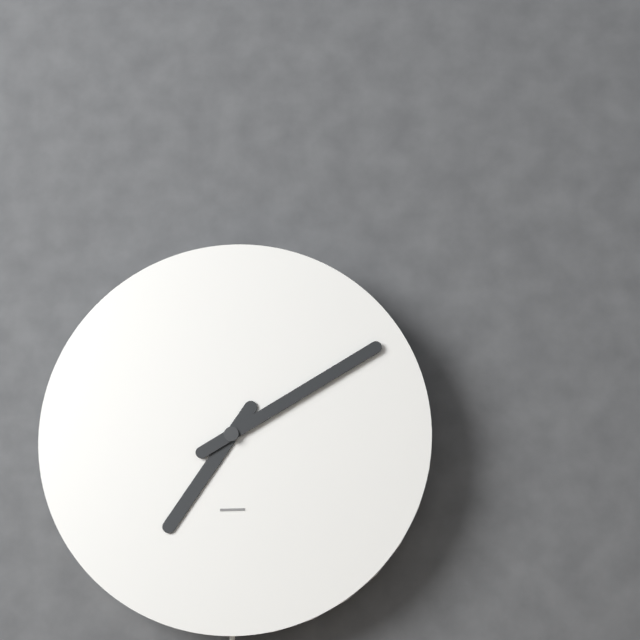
7:10
